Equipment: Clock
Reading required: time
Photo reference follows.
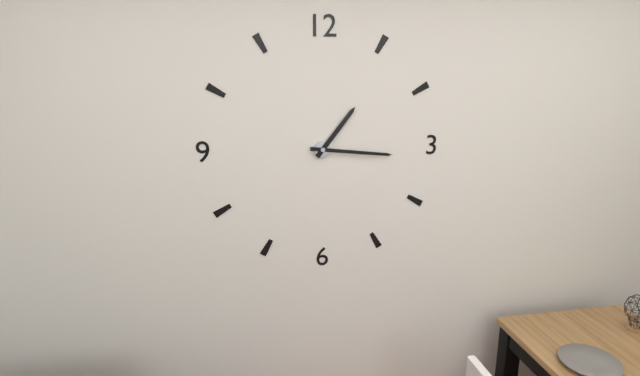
1:16
